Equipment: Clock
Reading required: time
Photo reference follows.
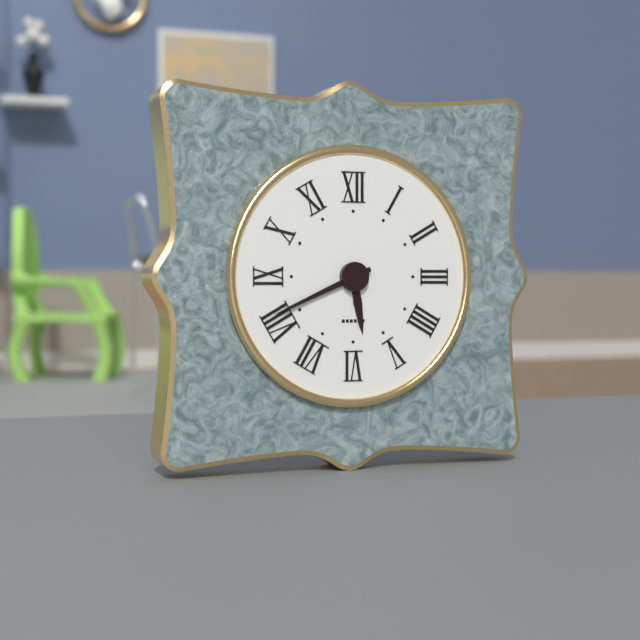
5:41
